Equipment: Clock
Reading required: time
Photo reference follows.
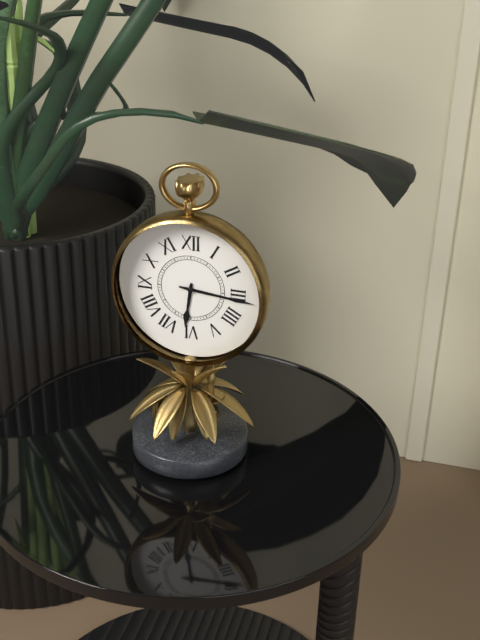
6:16
